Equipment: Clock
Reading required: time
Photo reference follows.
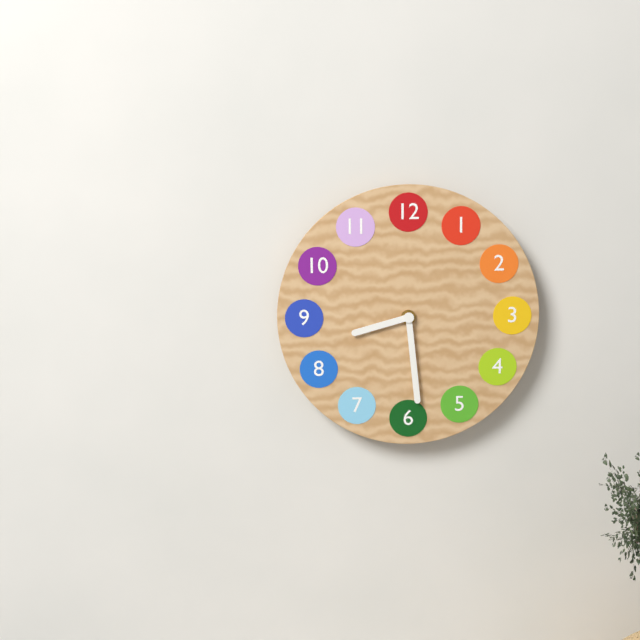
8:29
